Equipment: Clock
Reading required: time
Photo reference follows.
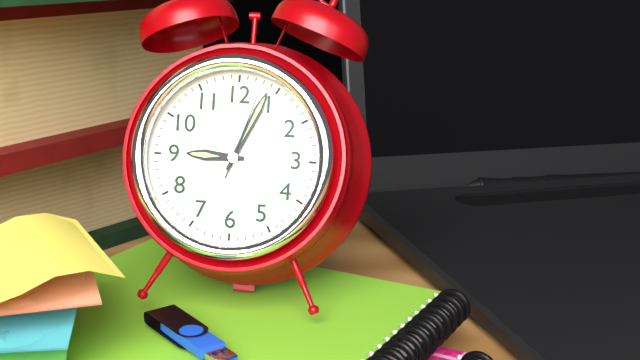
9:04:03
